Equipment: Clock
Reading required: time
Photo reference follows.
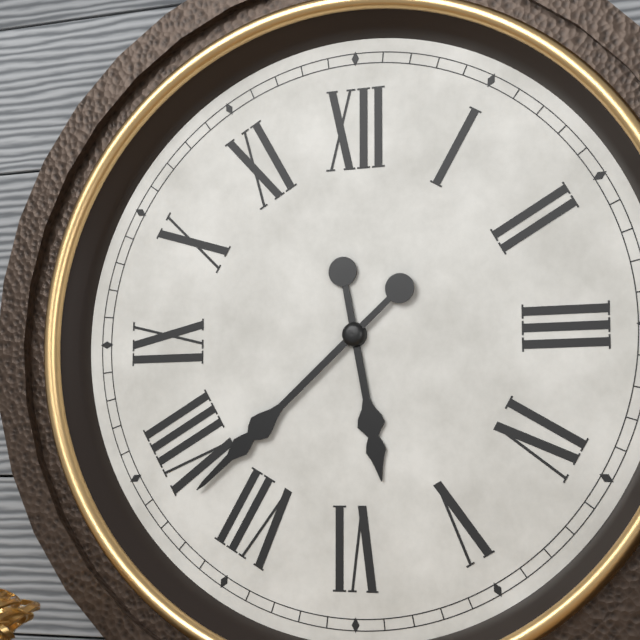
5:38
